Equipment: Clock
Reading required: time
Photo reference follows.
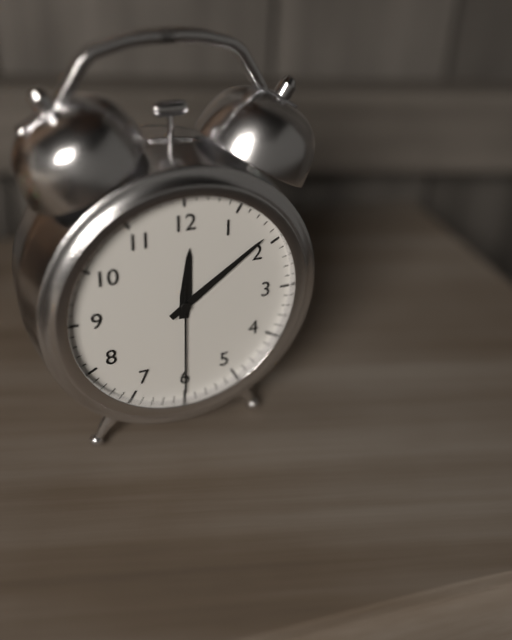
12:09:30
